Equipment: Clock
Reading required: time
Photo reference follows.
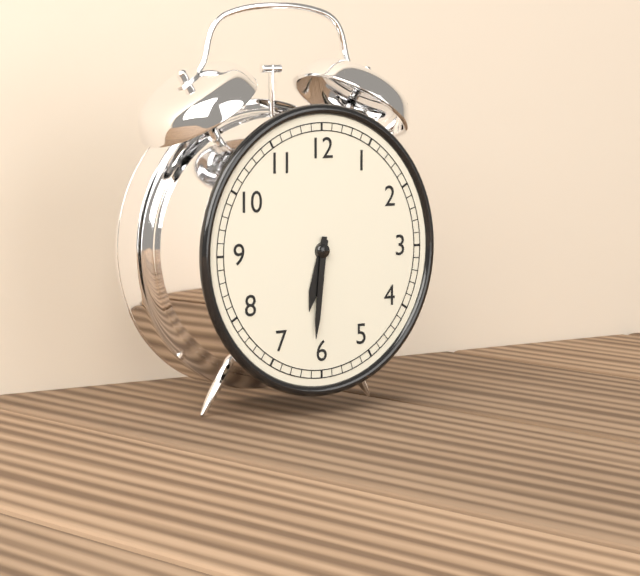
6:31
